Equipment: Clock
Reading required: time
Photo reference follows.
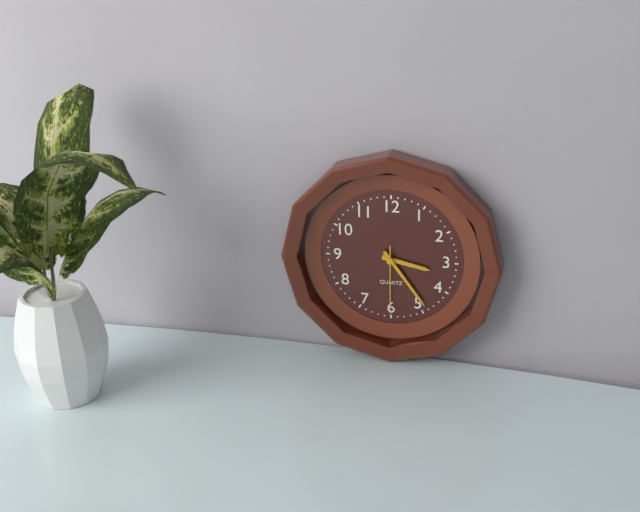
3:24:30
